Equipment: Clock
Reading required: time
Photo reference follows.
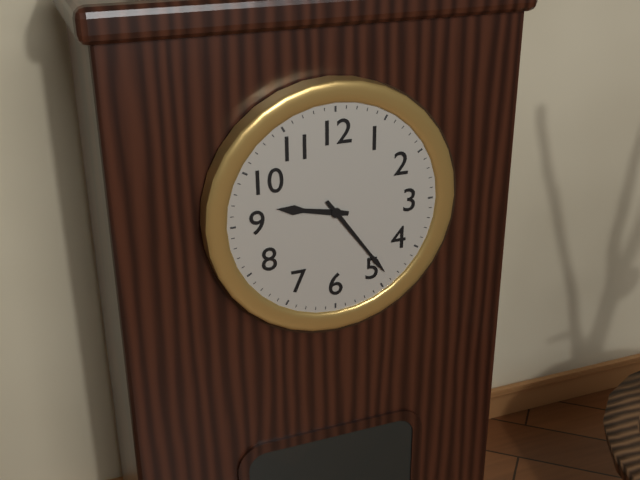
9:24
